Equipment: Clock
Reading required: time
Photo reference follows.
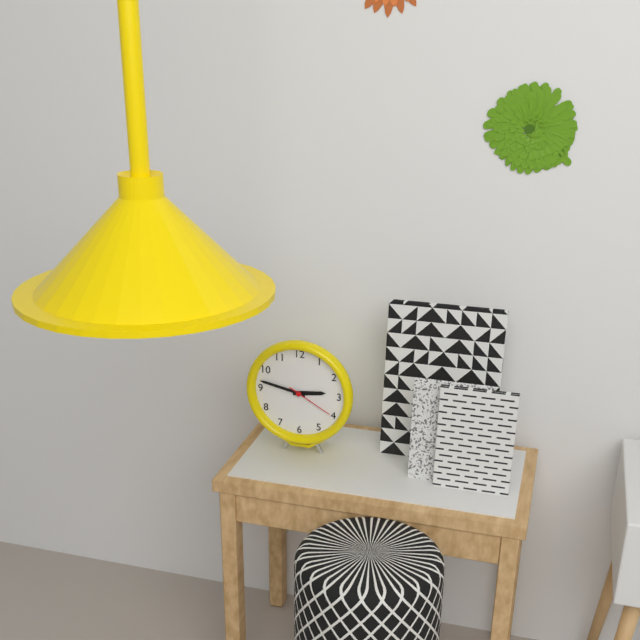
2:47
